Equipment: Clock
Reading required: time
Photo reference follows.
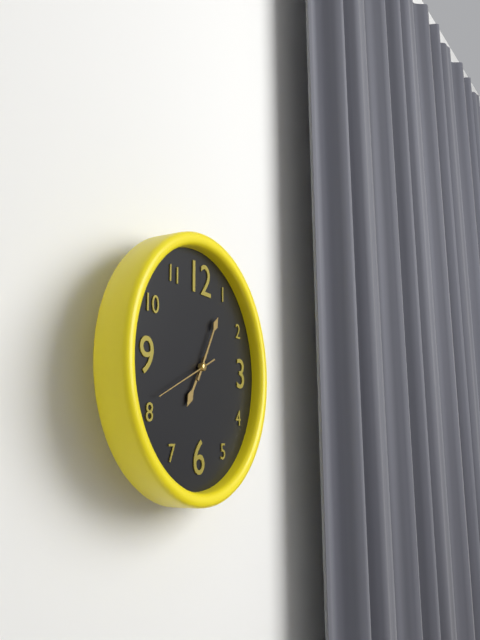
7:05:41
